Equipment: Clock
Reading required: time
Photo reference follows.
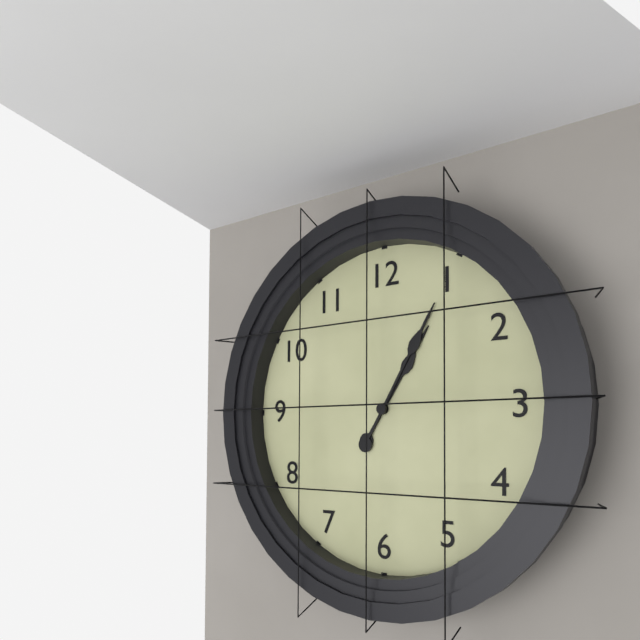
1:05
